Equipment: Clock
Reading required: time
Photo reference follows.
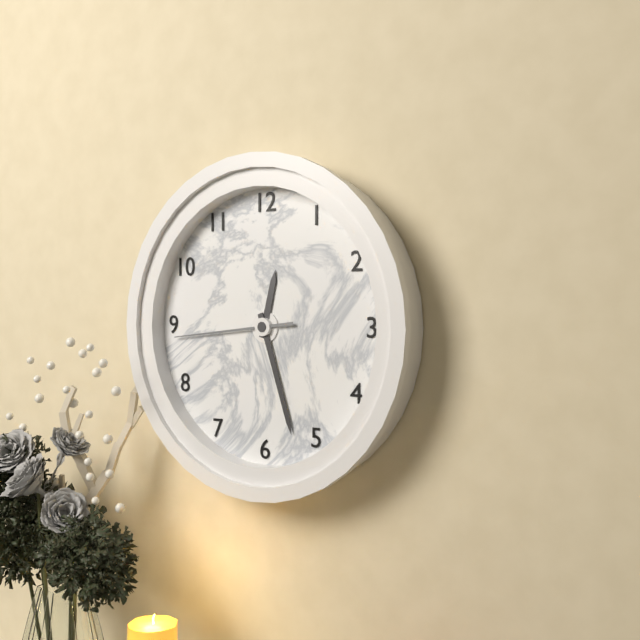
12:27:44
